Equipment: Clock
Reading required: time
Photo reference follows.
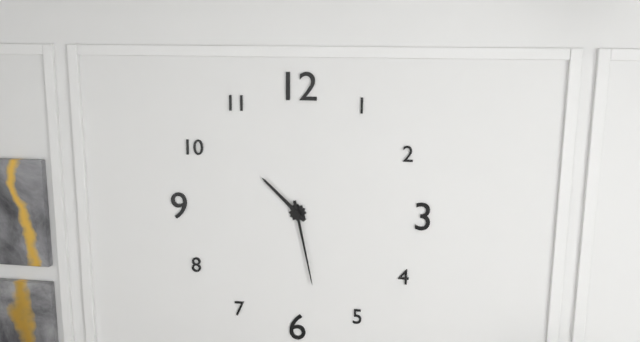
10:28
